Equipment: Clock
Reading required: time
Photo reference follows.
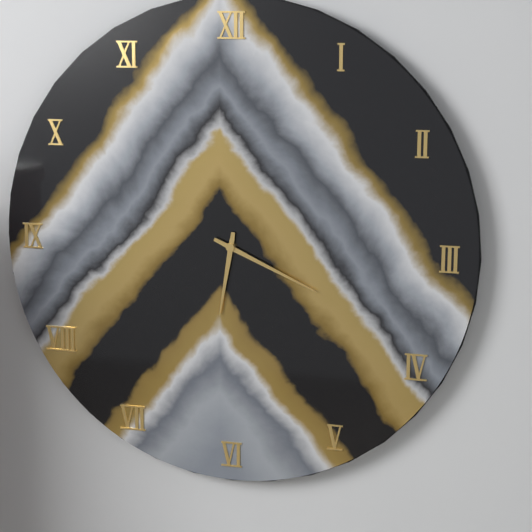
6:19
